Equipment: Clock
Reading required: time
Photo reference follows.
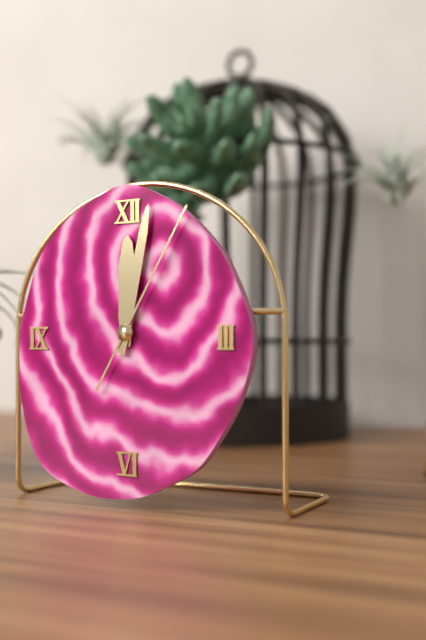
12:02:05
